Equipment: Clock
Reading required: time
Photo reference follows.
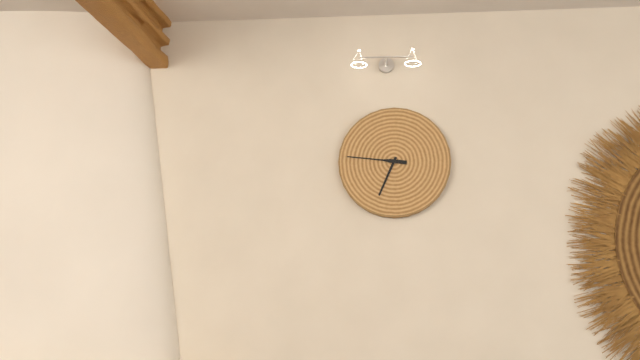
6:46
